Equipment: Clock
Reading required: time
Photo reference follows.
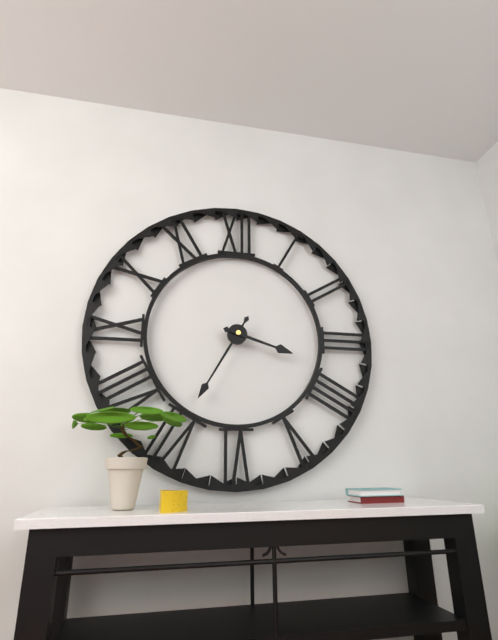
3:35
